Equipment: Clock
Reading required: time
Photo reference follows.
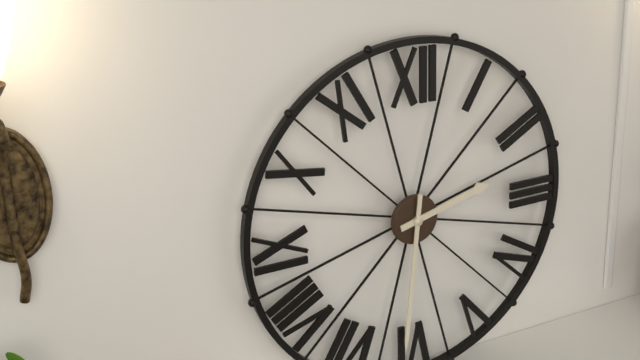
2:31
